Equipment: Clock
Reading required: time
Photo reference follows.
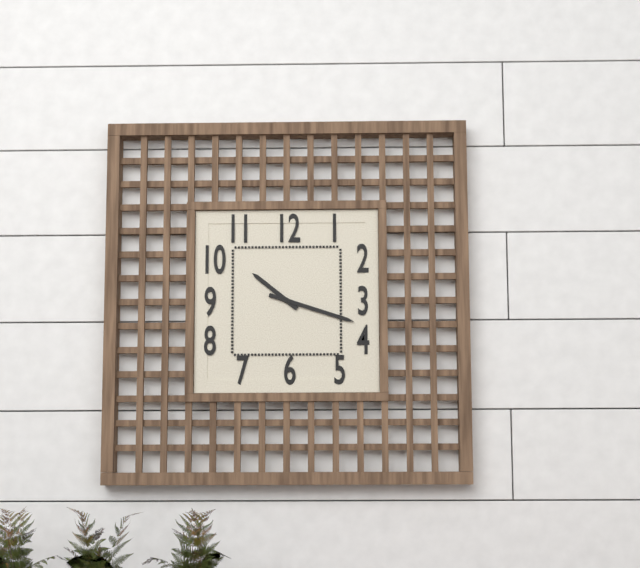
10:18
